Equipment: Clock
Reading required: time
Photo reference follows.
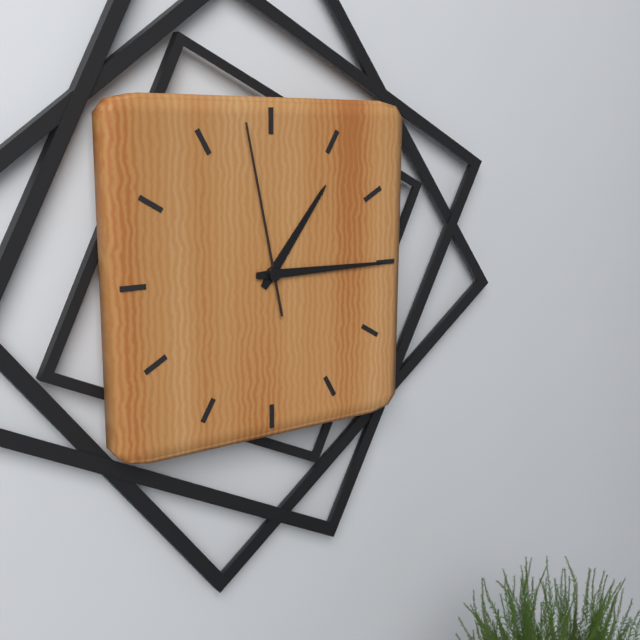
1:15:58
